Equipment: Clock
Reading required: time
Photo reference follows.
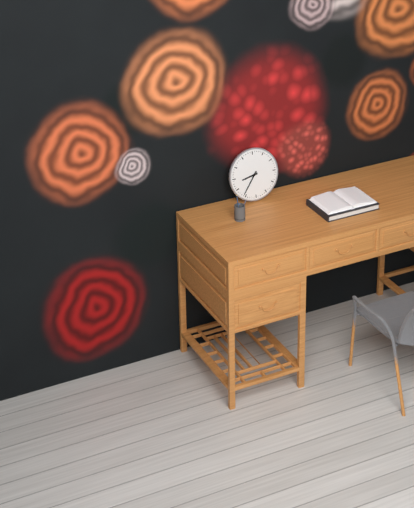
8:36
